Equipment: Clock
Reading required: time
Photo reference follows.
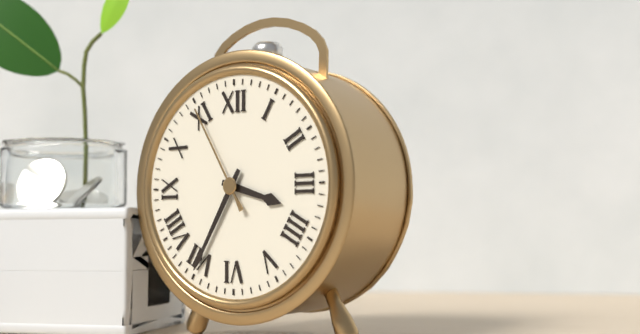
3:35:55
